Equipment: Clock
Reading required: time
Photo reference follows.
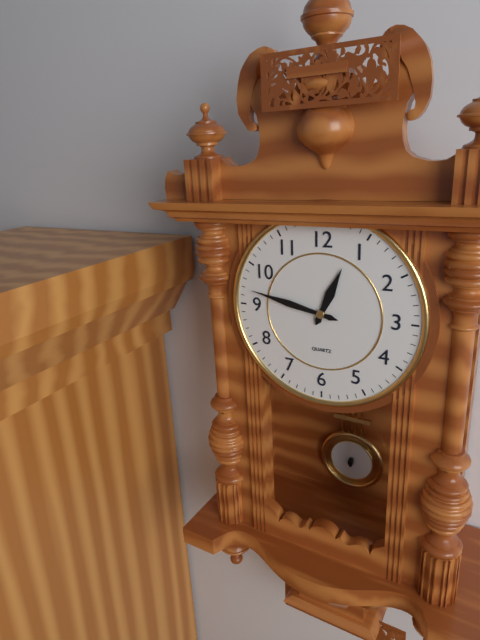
12:47
